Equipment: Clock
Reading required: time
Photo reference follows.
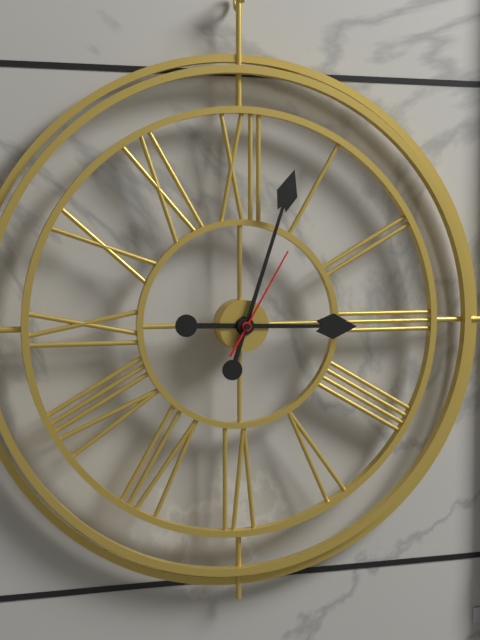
3:03:05
